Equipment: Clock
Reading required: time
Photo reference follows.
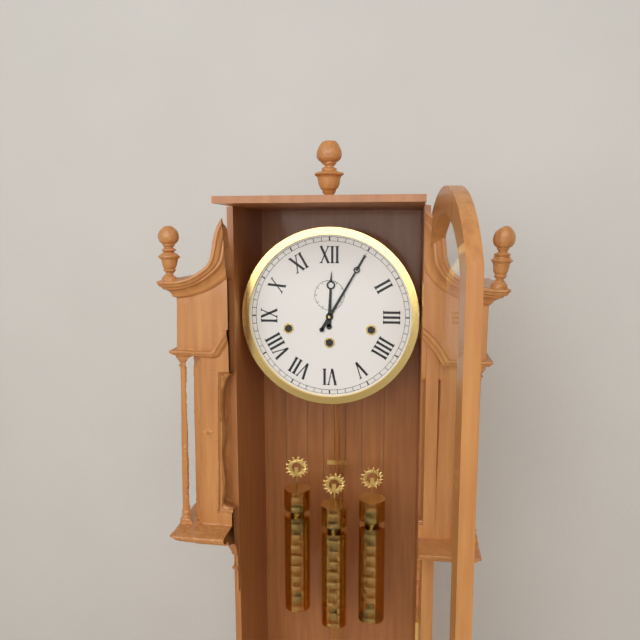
12:05
